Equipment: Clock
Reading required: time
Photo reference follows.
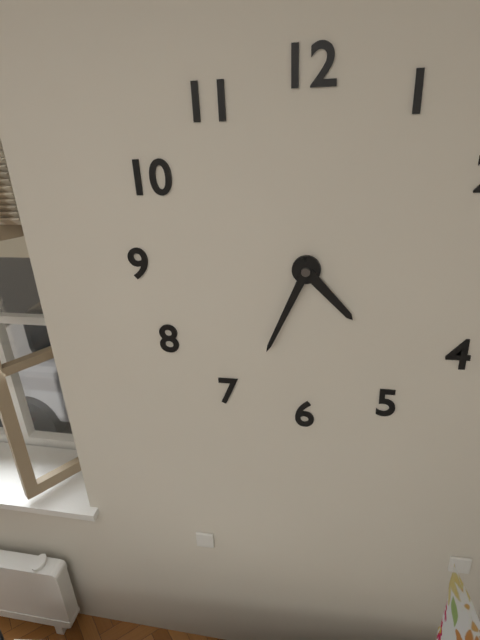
4:34
